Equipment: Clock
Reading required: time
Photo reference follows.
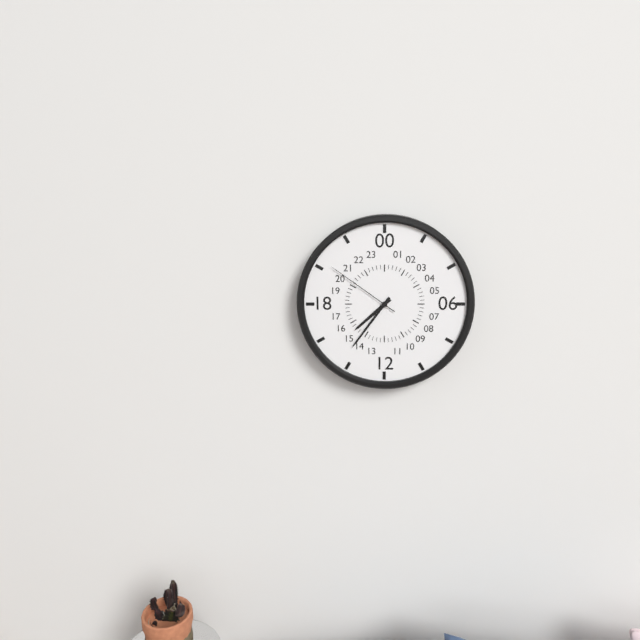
7:36:51
